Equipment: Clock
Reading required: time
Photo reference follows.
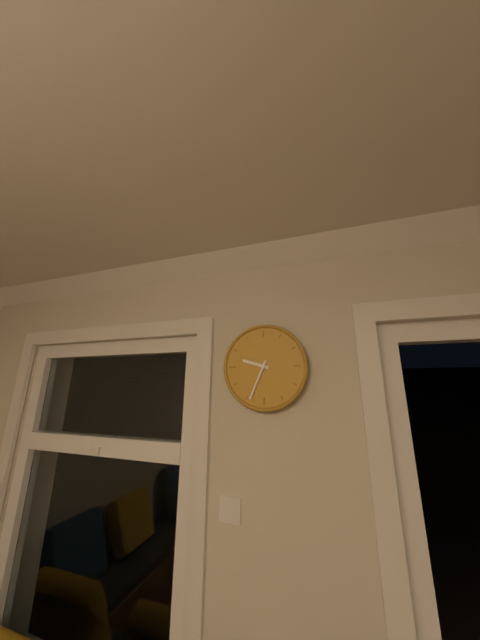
9:34
